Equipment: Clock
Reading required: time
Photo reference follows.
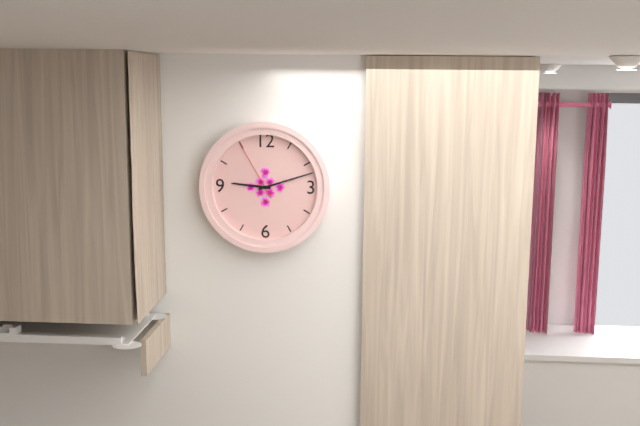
9:12:55
